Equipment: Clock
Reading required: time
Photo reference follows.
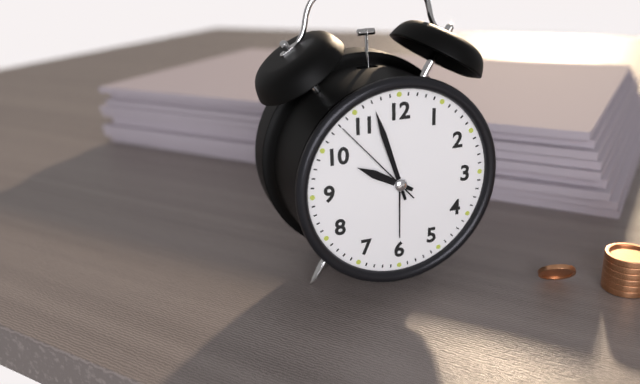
9:57:53
